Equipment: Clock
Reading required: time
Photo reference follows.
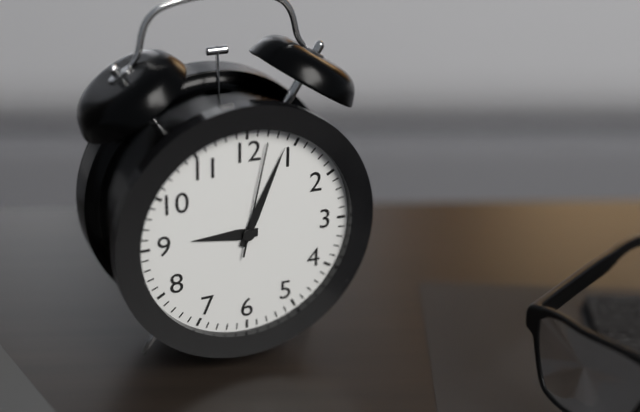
9:04:02
